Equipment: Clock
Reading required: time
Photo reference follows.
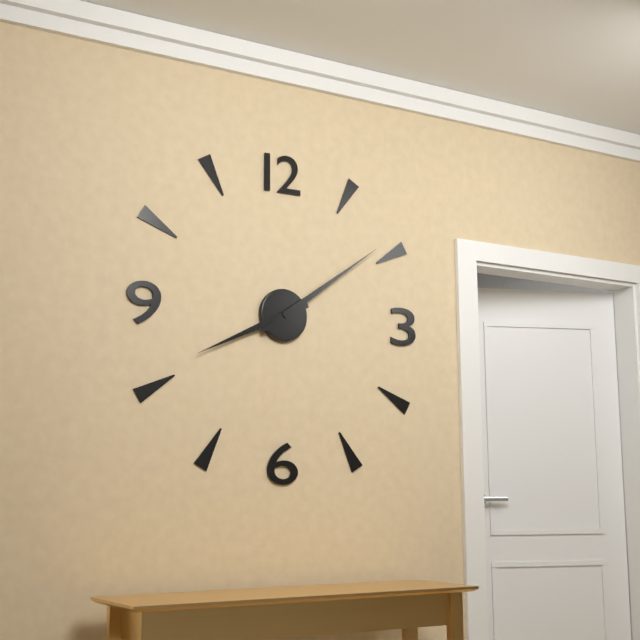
8:09
